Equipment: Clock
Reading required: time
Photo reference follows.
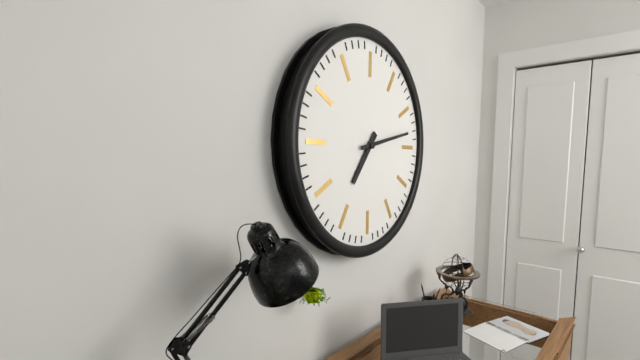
7:13
